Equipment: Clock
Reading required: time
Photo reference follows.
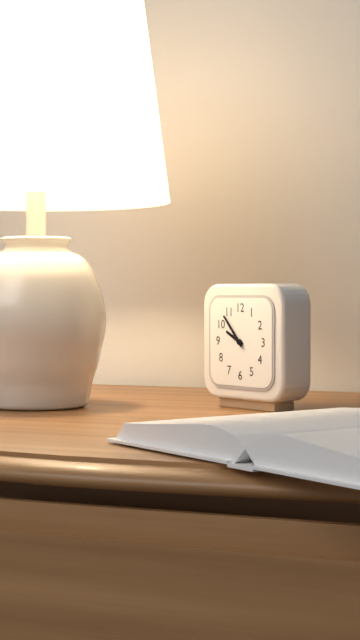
9:53
